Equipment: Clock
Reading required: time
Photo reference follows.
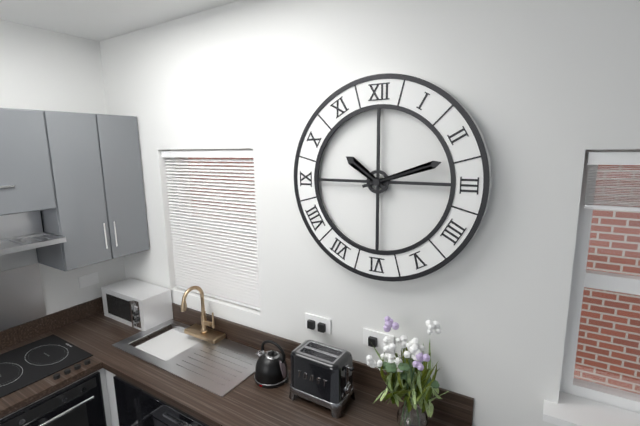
10:12
